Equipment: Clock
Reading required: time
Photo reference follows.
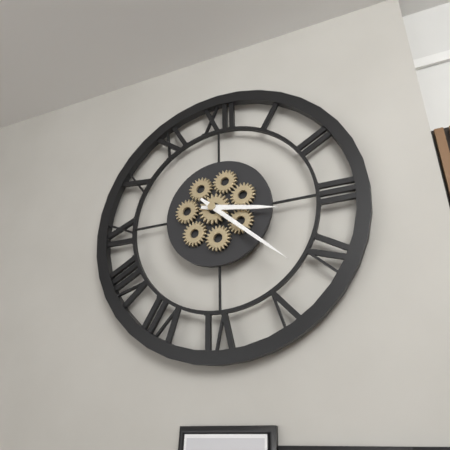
3:22
